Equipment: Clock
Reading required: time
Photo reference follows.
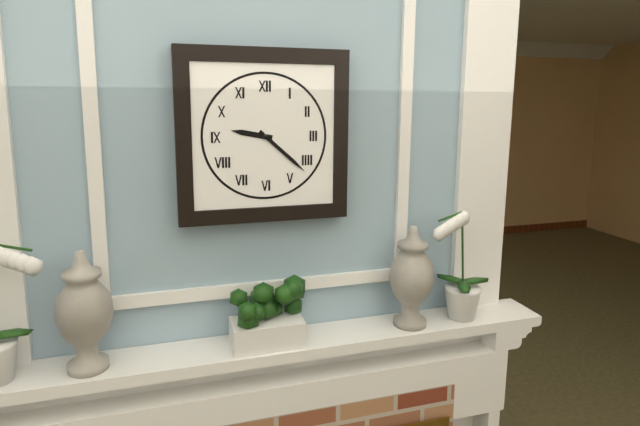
9:22
